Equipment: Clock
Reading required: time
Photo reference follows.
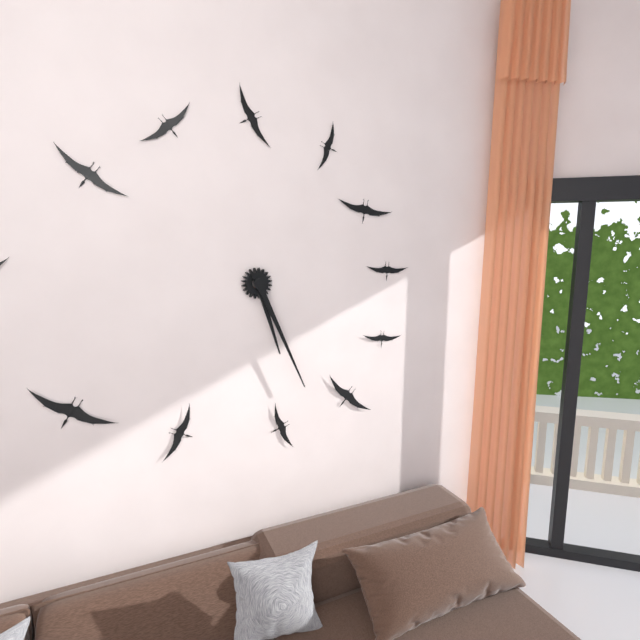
5:26
